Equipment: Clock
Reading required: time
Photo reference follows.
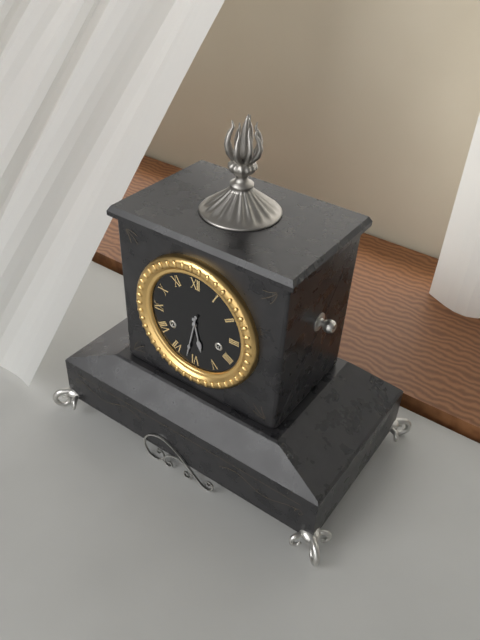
5:32
